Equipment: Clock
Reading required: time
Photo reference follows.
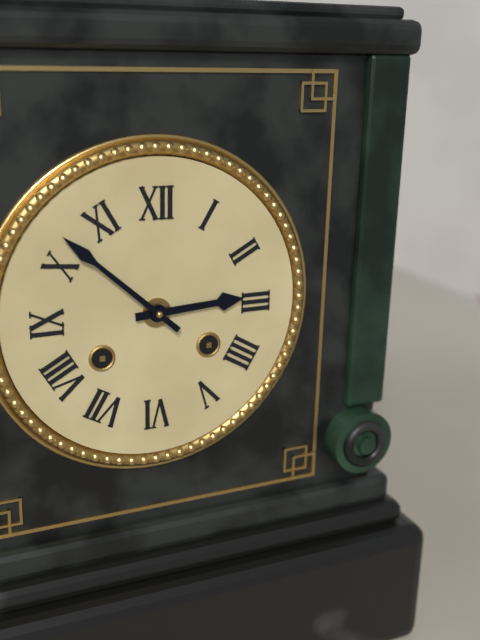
2:52
